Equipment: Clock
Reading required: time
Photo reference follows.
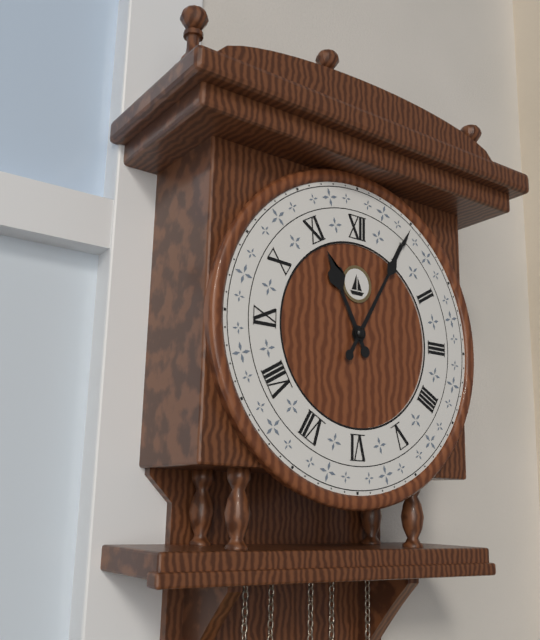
11:05
